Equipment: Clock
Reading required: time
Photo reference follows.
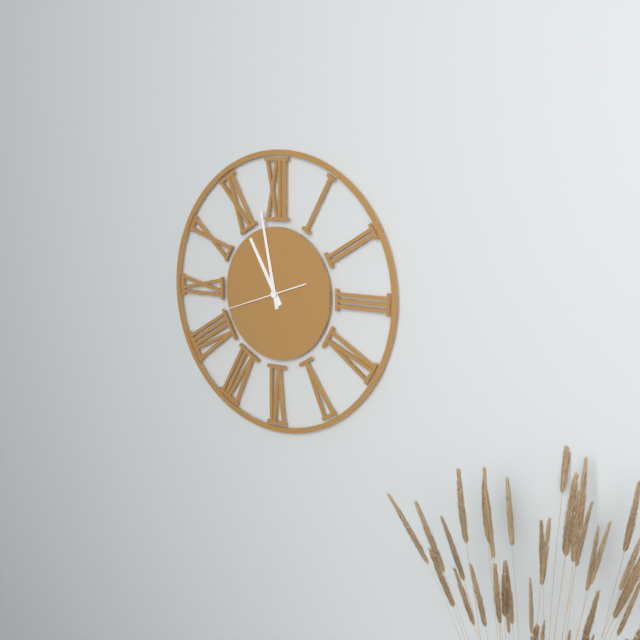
10:58:42
